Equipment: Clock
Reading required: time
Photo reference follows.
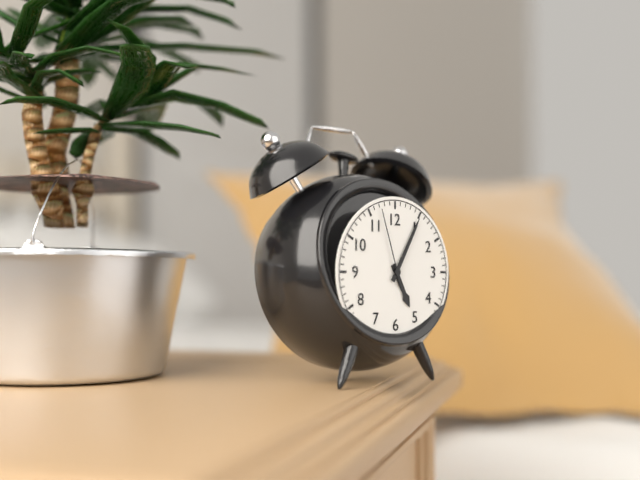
5:05:57
